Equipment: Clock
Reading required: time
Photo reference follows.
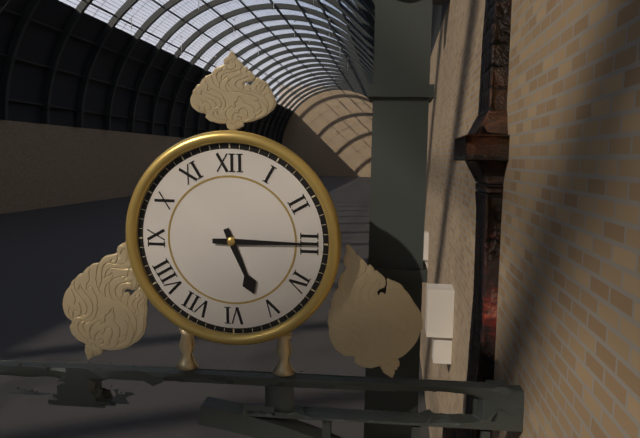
5:15
